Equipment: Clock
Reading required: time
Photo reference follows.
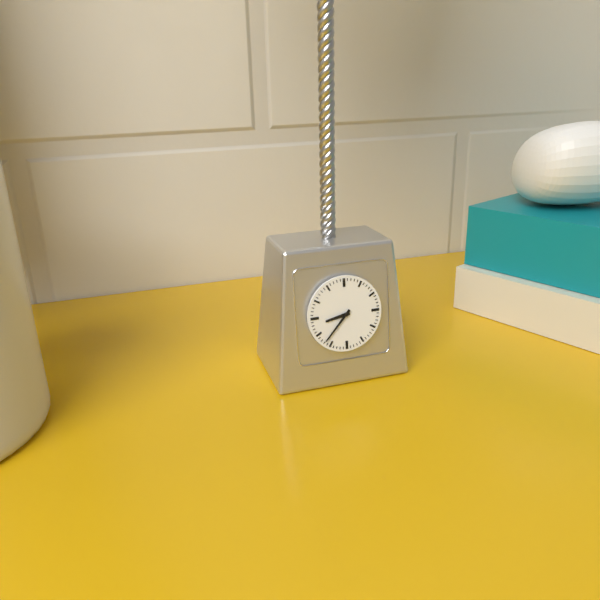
8:37
